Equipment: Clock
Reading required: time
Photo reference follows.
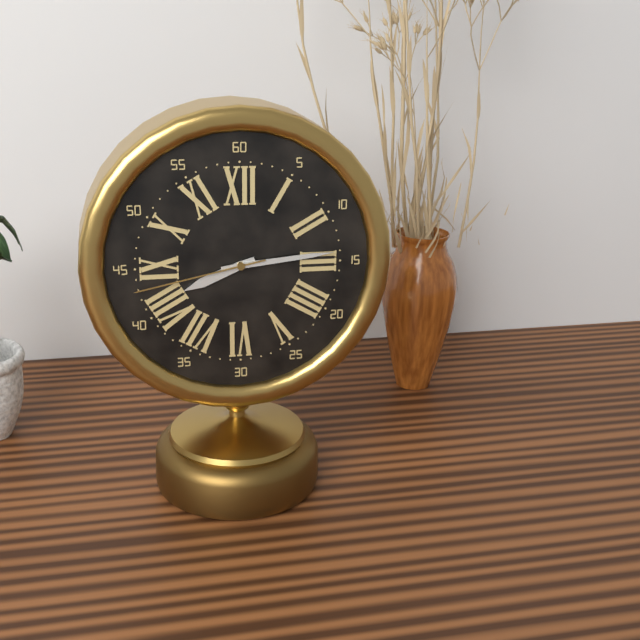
8:14:43
